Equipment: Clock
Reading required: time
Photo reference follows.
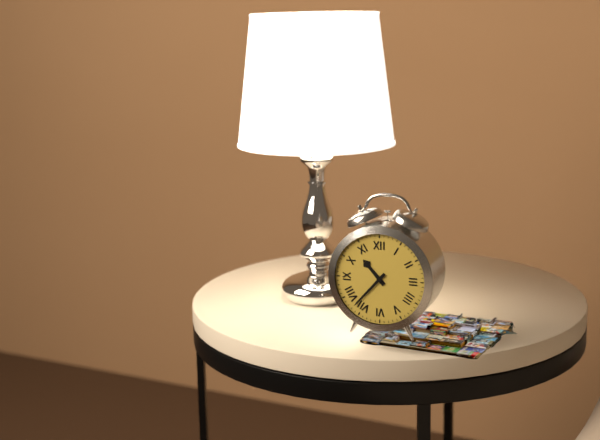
10:37
